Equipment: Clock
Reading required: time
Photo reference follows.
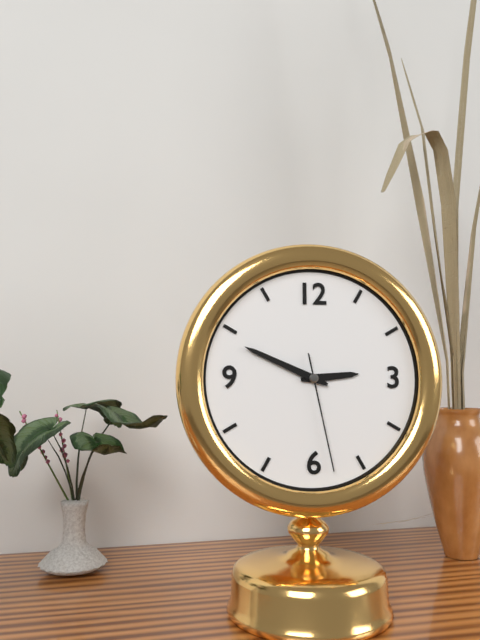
2:49:28
